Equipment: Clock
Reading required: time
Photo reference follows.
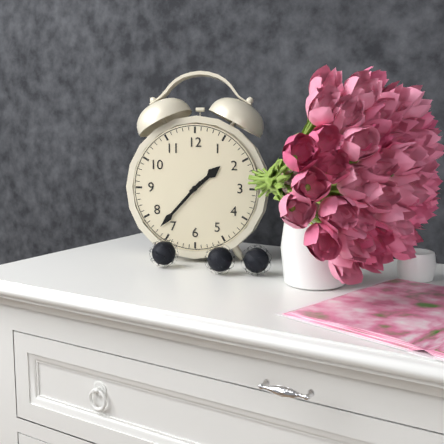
1:37
